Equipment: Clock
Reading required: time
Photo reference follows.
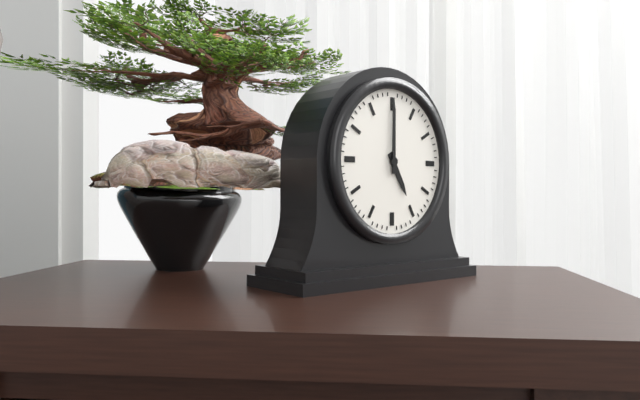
5:00
